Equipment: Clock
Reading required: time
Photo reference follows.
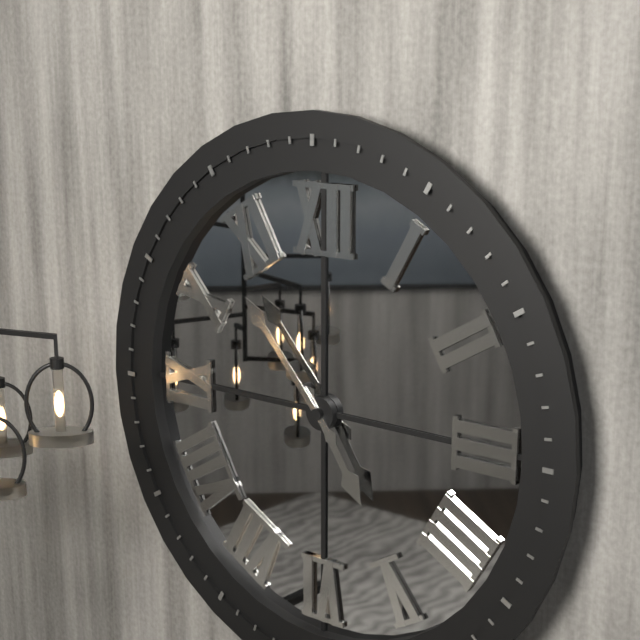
4:53
